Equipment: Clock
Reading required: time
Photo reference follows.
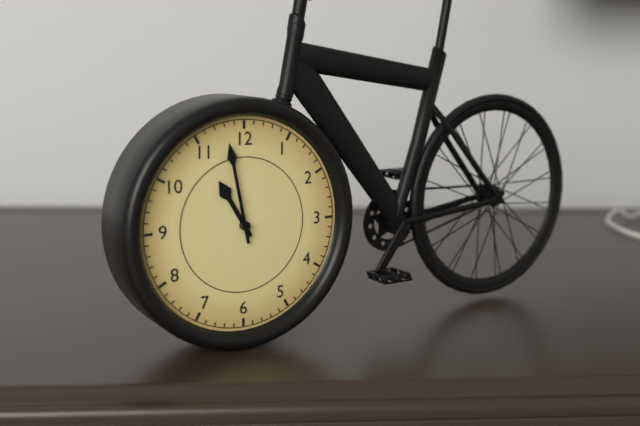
10:58
